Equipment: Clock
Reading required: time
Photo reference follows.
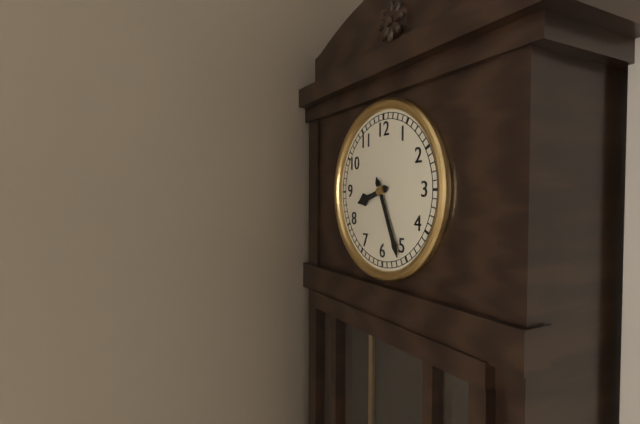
8:26
